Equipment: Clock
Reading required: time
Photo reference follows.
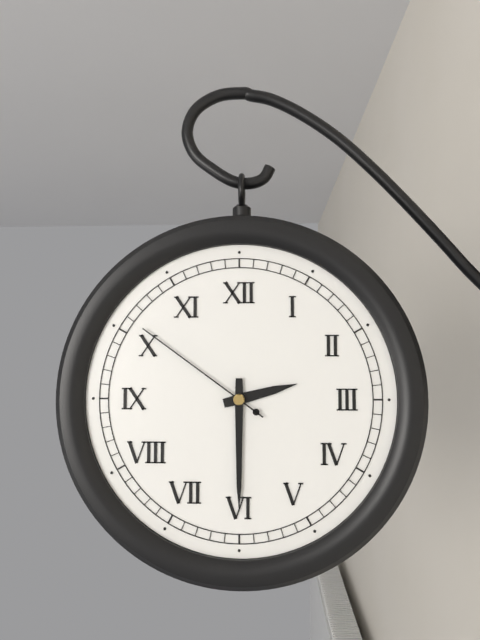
2:30:51
